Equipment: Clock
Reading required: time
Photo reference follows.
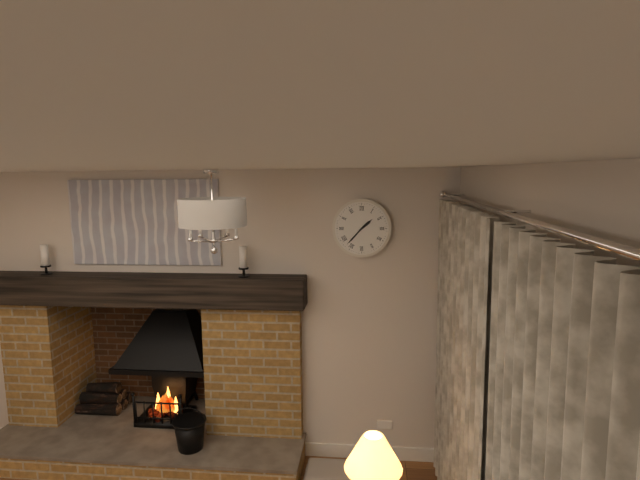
1:37
